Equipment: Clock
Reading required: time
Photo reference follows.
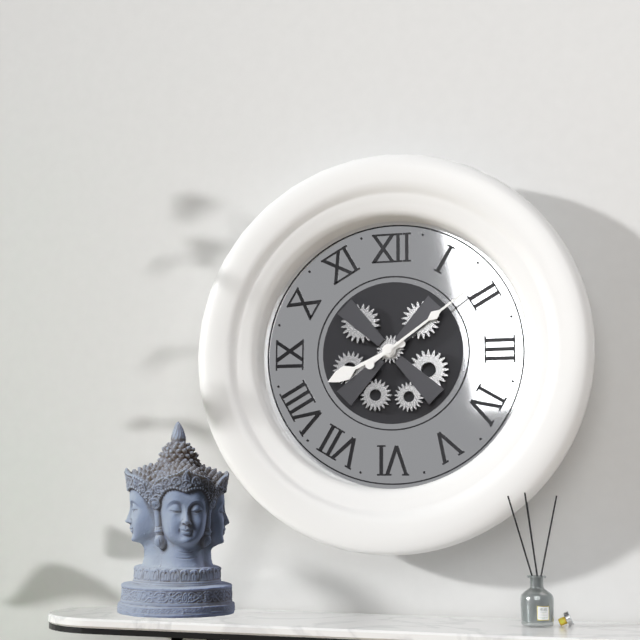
8:09
